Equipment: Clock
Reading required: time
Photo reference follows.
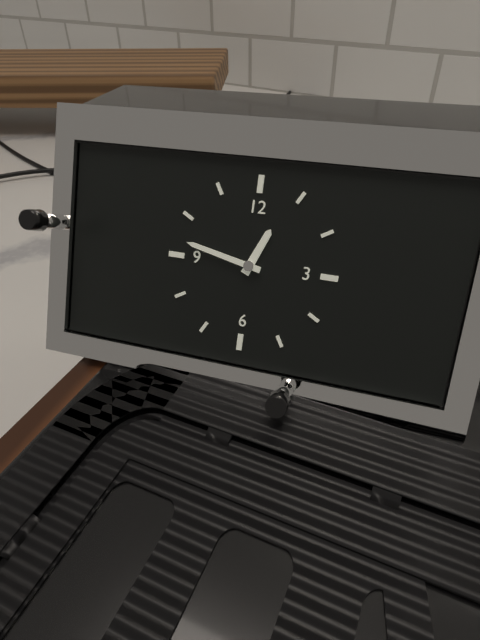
12:47
